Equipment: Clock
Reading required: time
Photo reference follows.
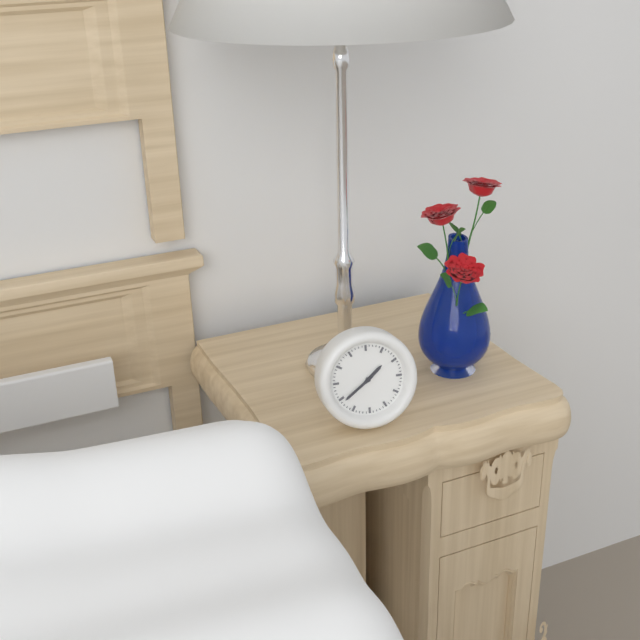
1:39
